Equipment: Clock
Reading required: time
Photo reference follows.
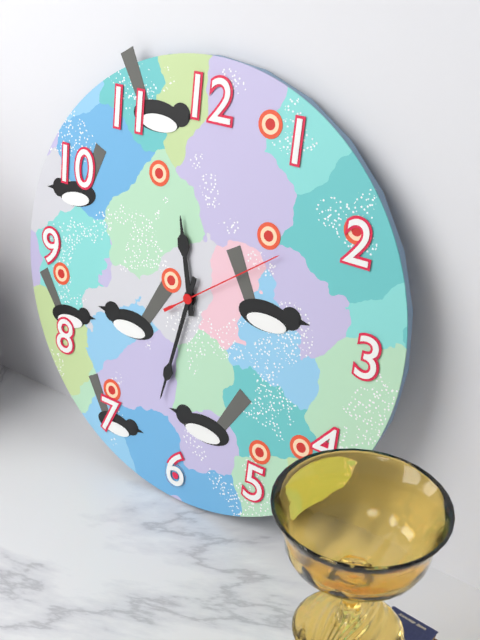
11:32:09
